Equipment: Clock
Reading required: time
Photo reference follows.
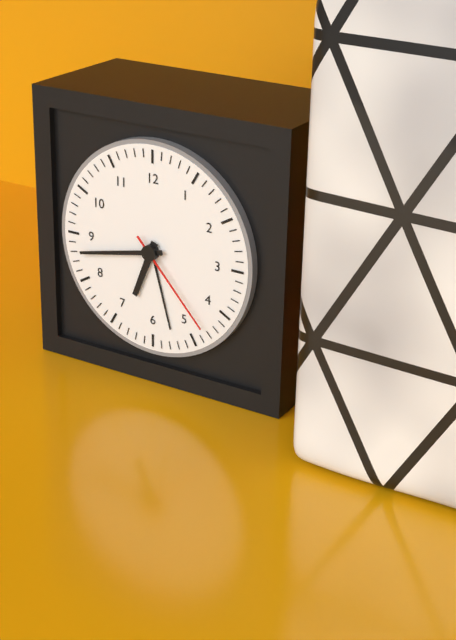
6:43:23
